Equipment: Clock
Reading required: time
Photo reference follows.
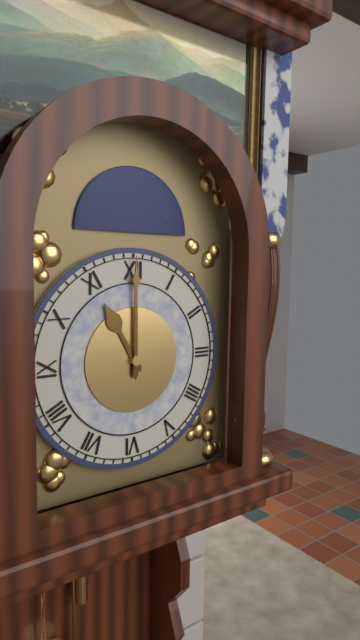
11:00
